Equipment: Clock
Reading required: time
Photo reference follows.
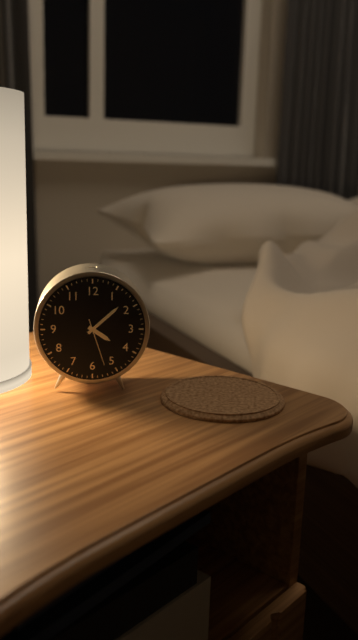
4:08
